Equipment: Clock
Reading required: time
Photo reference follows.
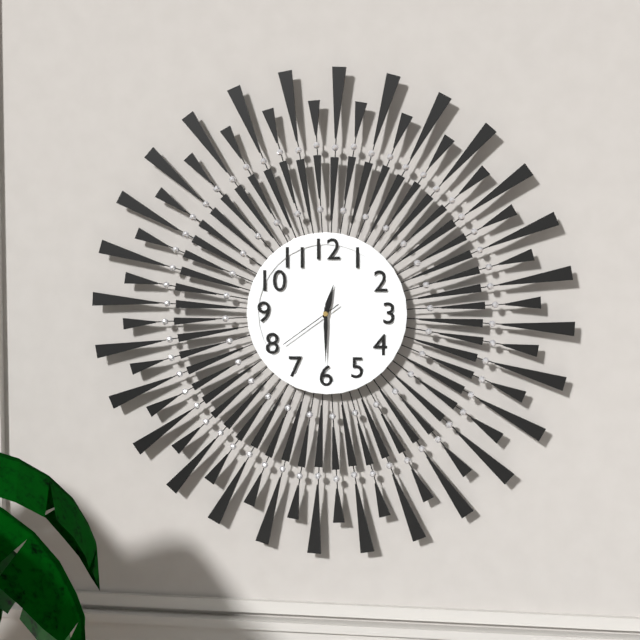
12:30:39
